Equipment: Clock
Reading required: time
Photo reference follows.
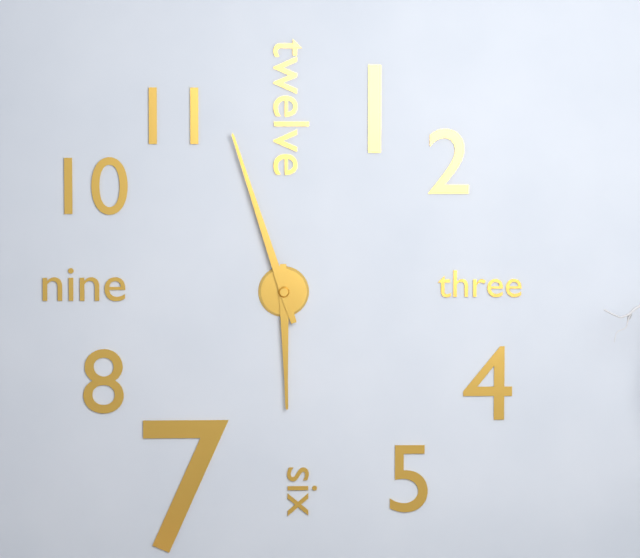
5:57
